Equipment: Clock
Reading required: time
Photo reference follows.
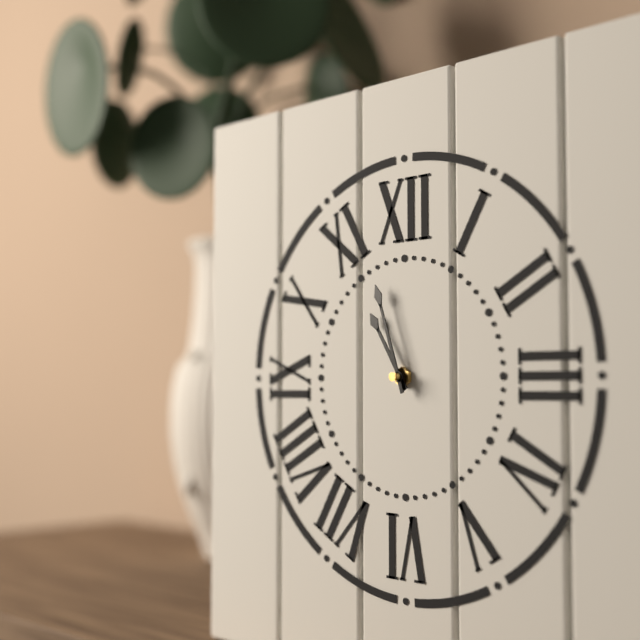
10:57
